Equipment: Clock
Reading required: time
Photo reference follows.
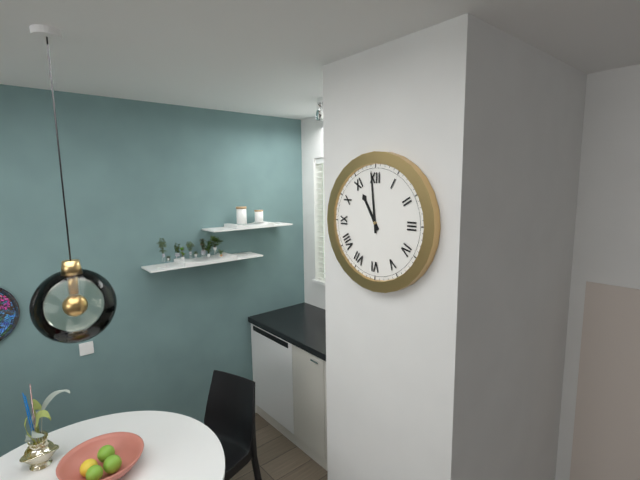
10:59
